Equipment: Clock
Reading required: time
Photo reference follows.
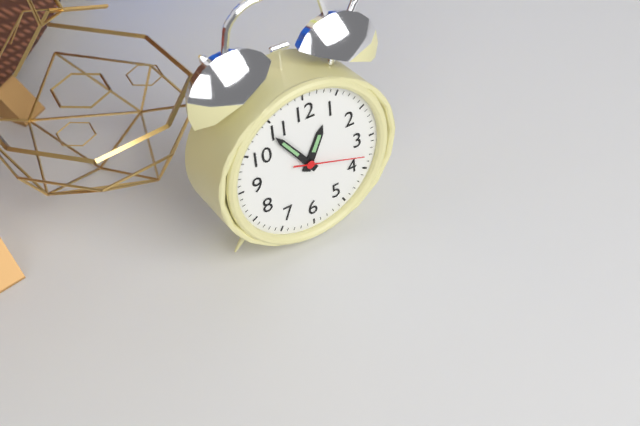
12:54:18
